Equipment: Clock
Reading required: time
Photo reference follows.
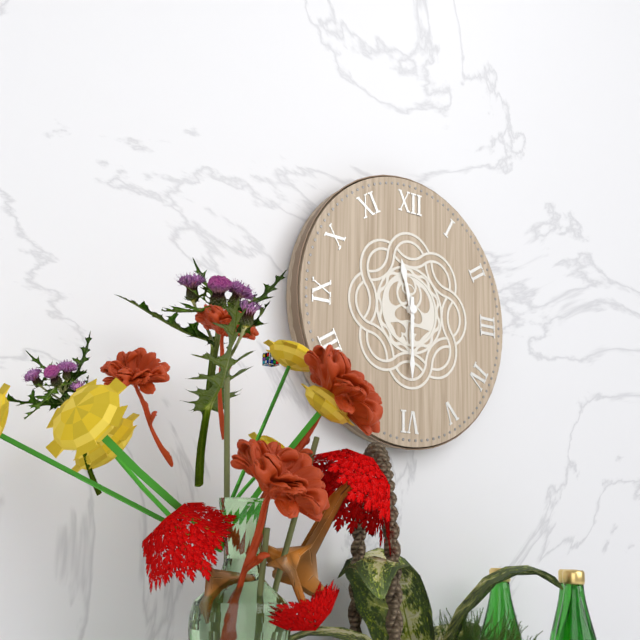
11:30
